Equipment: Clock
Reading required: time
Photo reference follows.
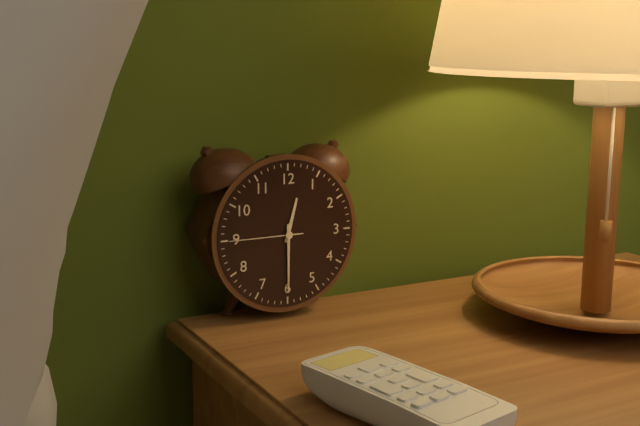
12:30:45
